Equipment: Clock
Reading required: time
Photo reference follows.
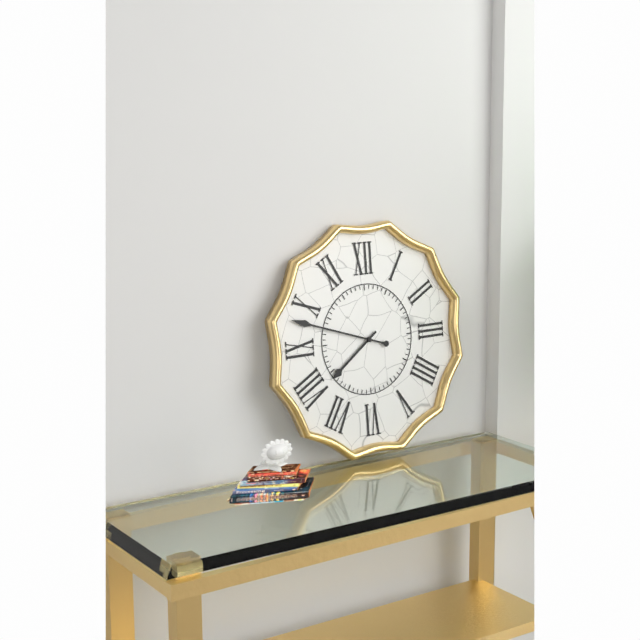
7:48
